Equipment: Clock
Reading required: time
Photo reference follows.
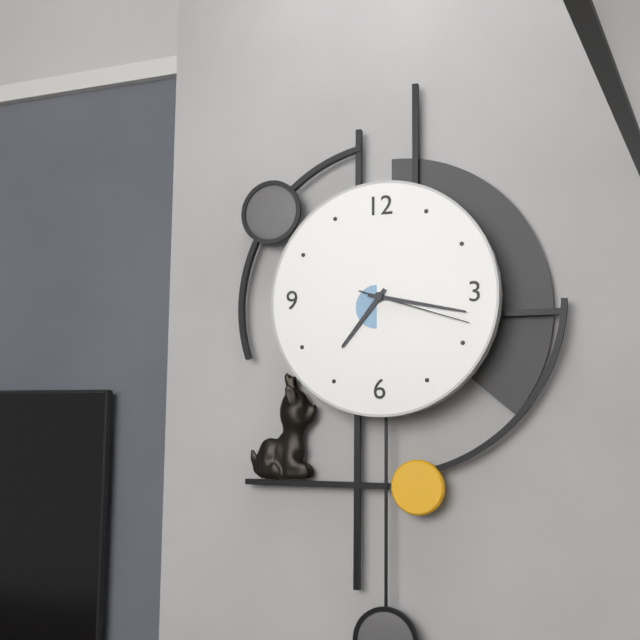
7:17:18
